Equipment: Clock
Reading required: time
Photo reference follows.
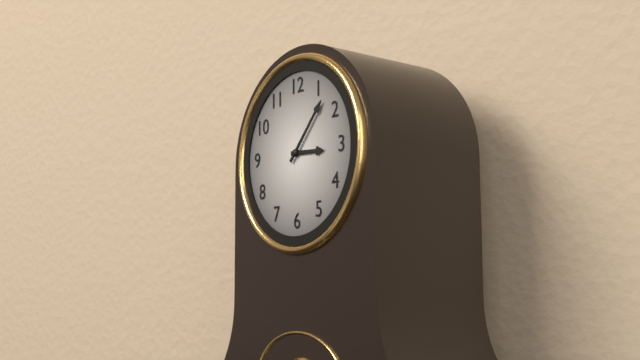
3:07
